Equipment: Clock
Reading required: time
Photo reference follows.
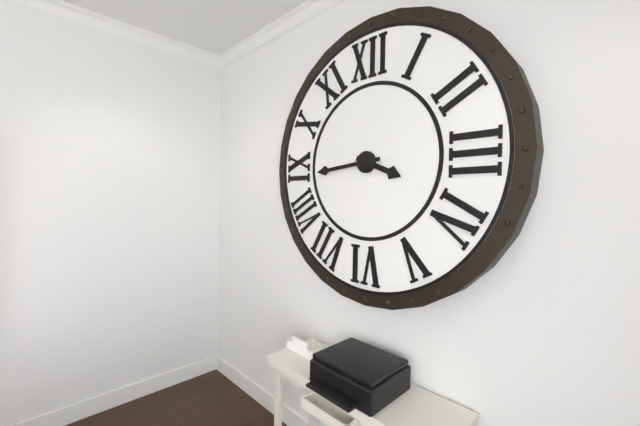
3:44
